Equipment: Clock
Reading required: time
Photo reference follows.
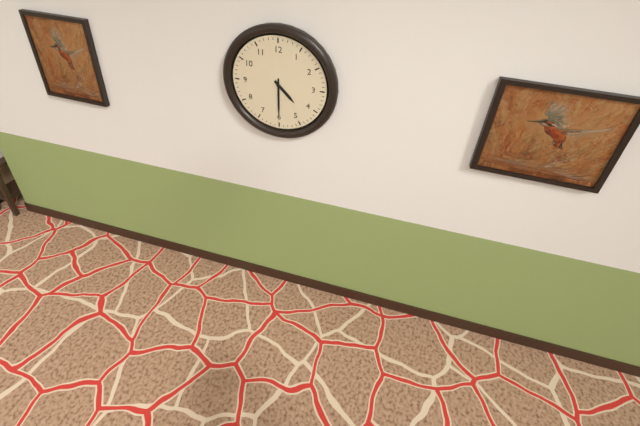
4:30
